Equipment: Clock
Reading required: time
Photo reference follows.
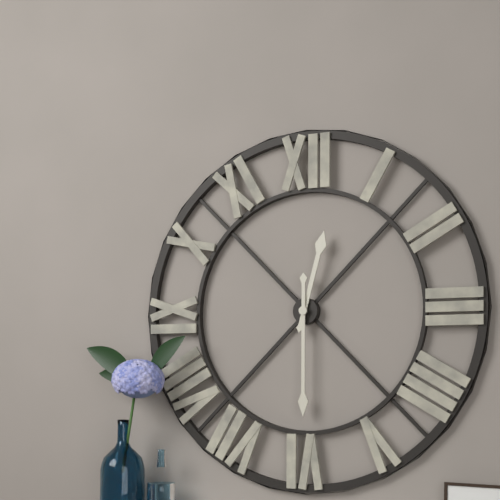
12:30
